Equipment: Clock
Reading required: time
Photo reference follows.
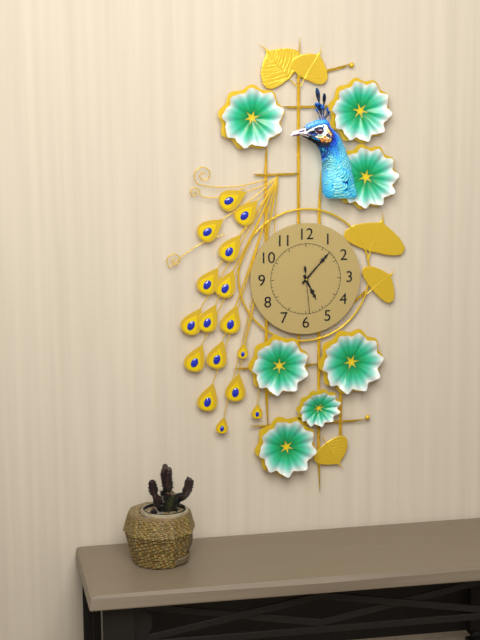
5:07
